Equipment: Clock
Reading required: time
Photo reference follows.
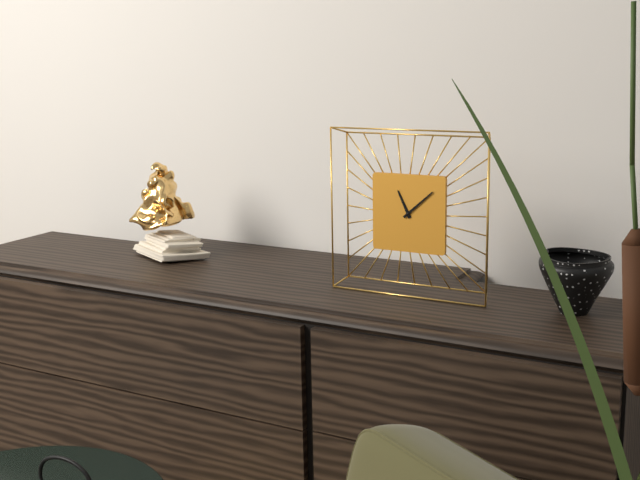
11:08
